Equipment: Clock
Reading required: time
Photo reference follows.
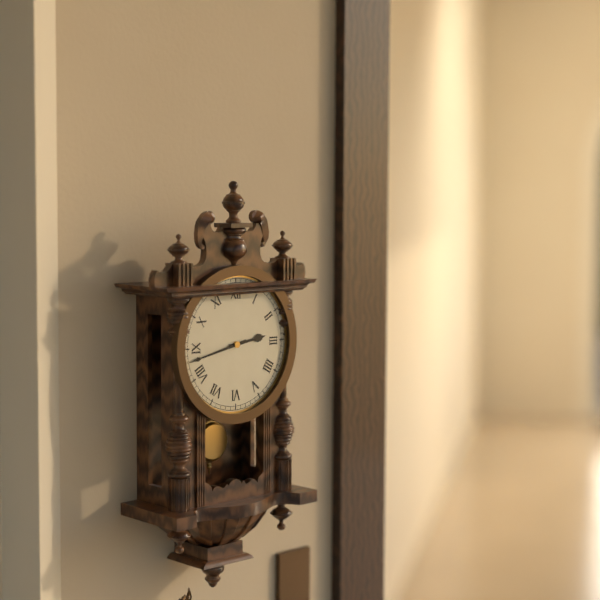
2:43
